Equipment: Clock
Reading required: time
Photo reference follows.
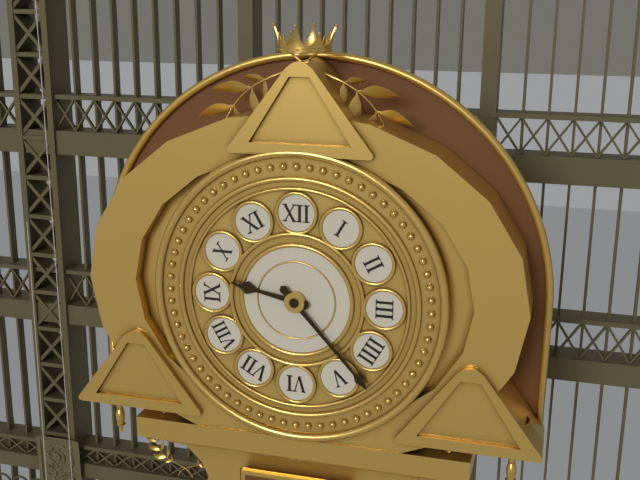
9:23
